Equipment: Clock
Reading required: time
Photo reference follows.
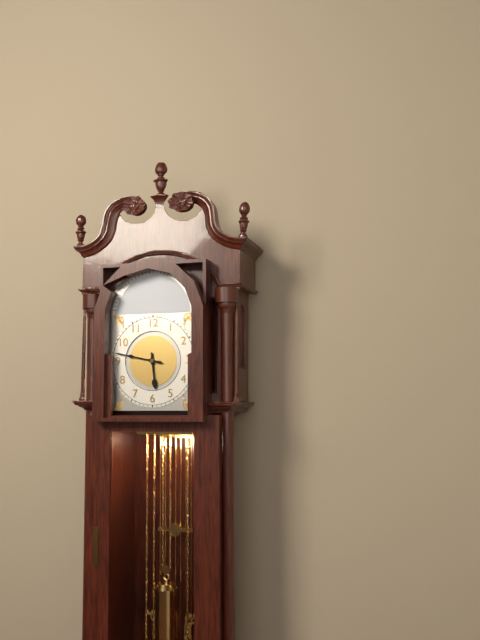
5:47
